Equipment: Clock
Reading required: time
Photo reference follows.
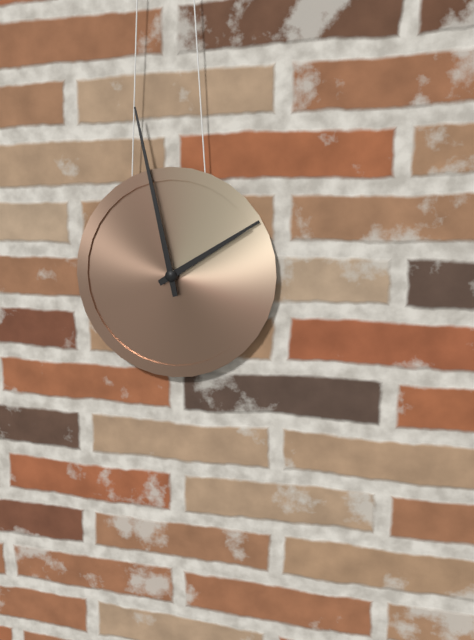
1:58
